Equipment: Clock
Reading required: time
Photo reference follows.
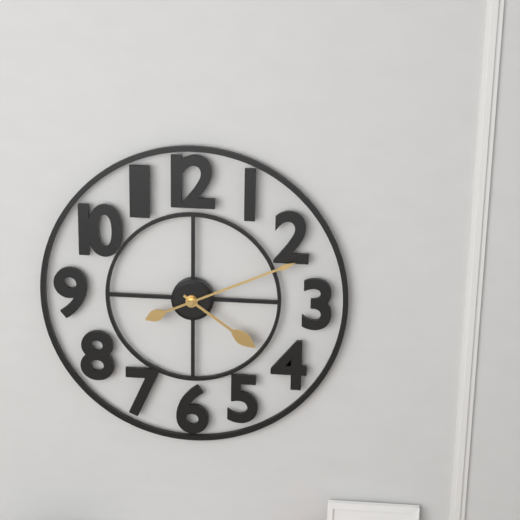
4:11
